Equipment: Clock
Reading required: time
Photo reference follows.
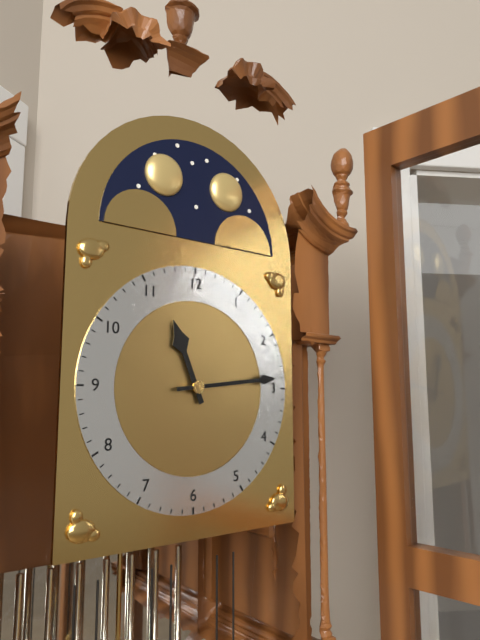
11:14
